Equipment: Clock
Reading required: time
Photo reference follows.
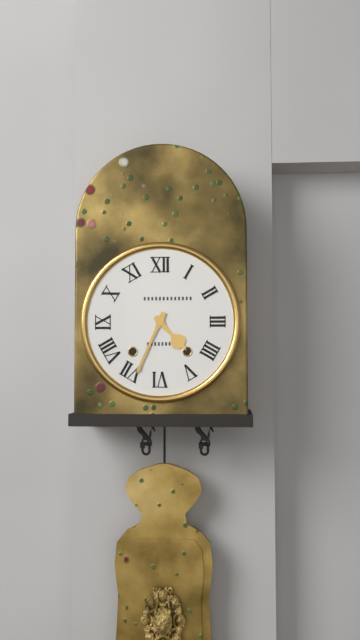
4:34
